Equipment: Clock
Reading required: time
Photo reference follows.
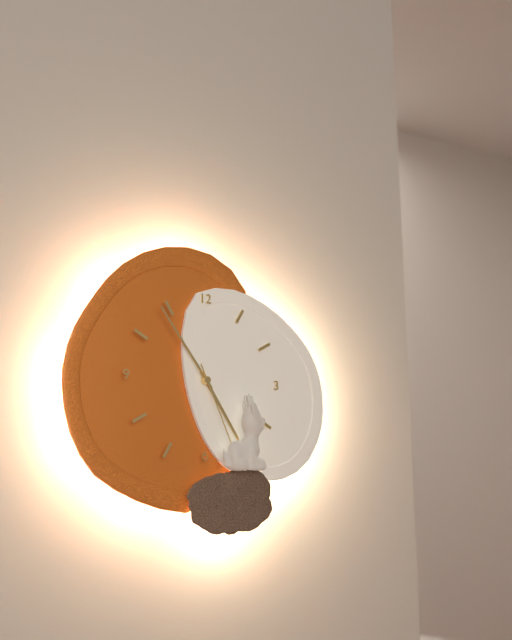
4:54:26
